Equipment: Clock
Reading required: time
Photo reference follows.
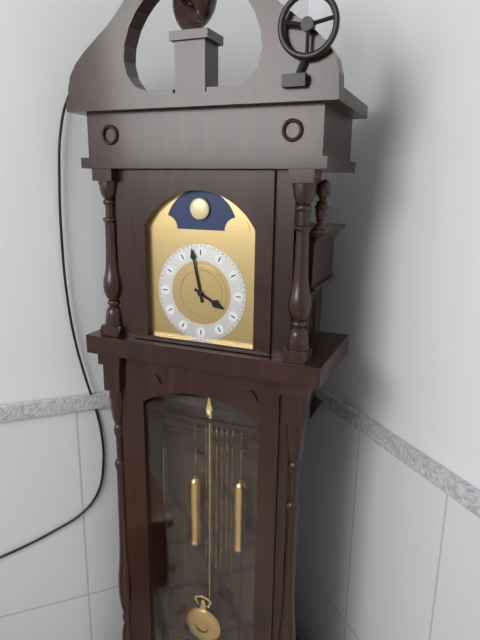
3:58
